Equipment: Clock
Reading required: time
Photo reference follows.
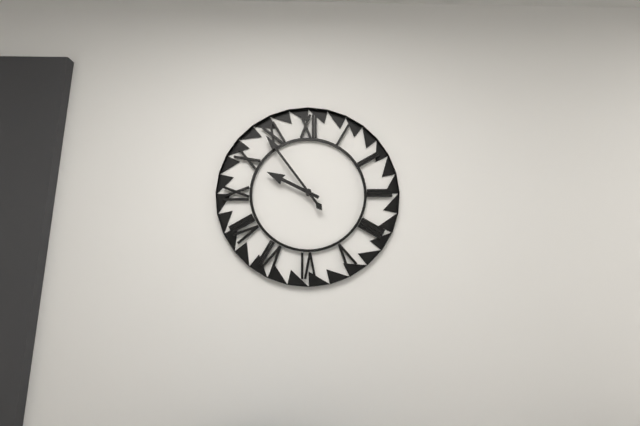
9:54
